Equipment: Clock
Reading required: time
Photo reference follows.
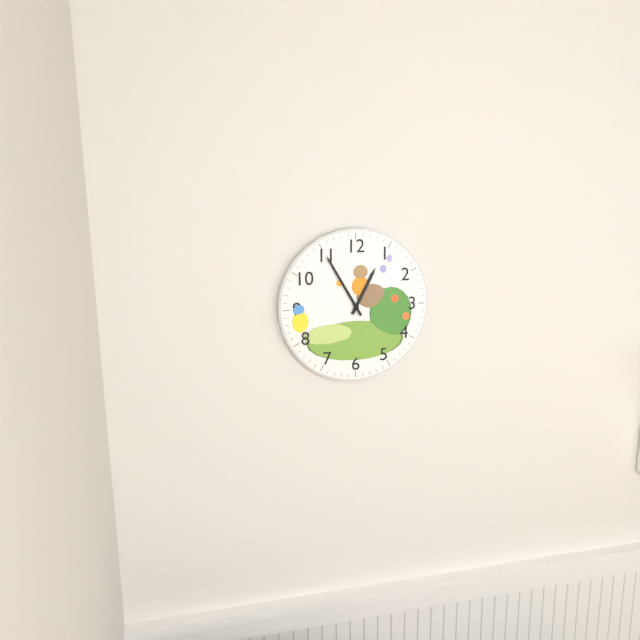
12:55
